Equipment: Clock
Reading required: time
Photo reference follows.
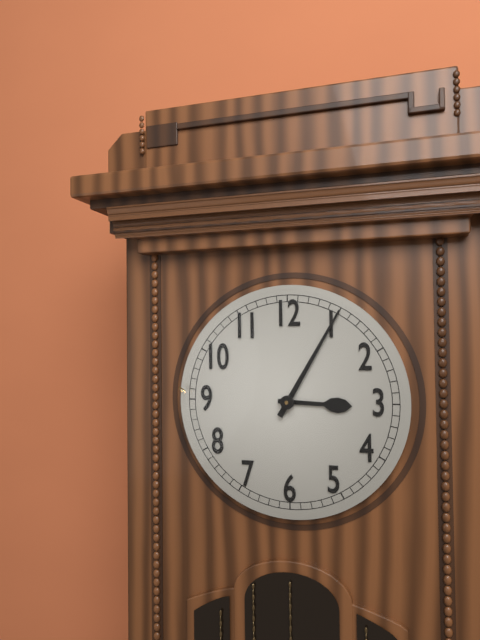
3:05
